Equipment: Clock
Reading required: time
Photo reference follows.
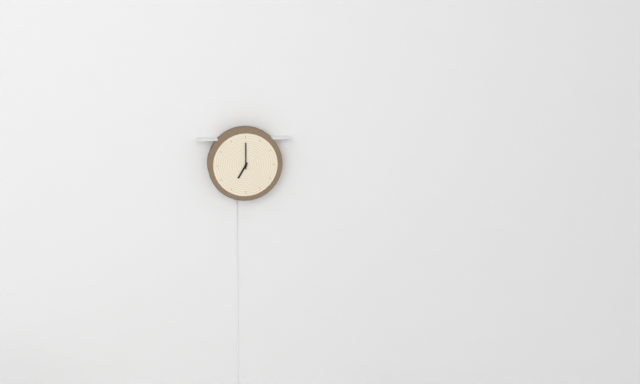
7:00
